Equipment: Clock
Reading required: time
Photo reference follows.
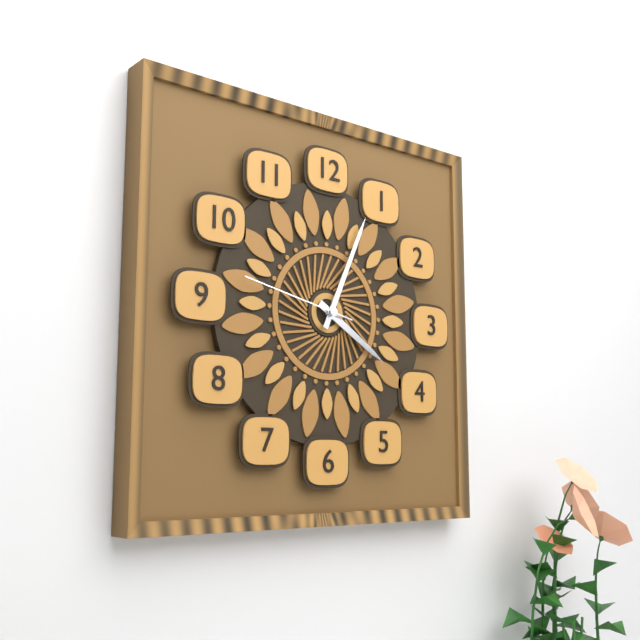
4:04:47
